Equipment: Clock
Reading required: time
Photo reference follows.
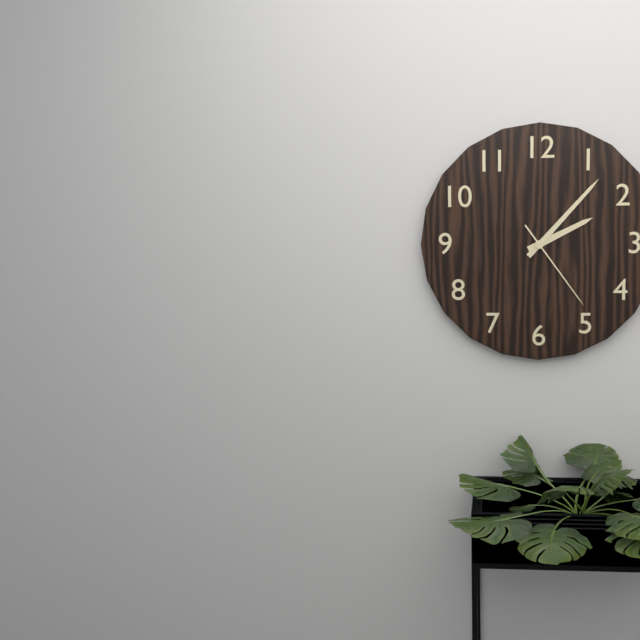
2:07:24
